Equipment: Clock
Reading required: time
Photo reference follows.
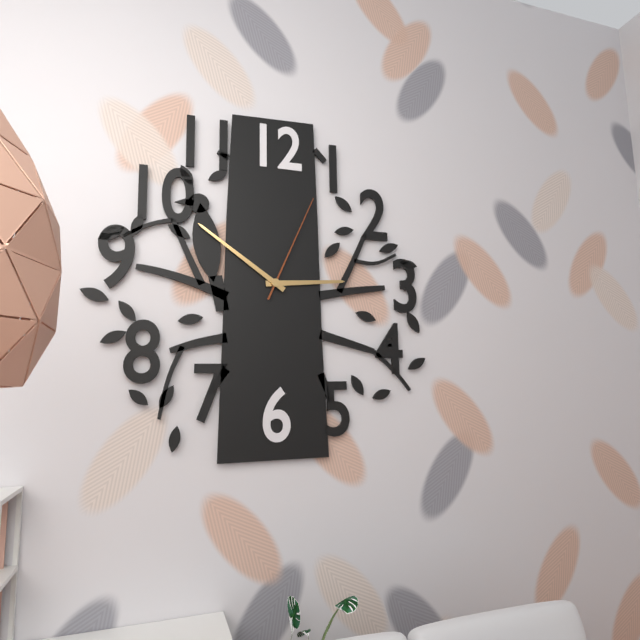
2:51:04
